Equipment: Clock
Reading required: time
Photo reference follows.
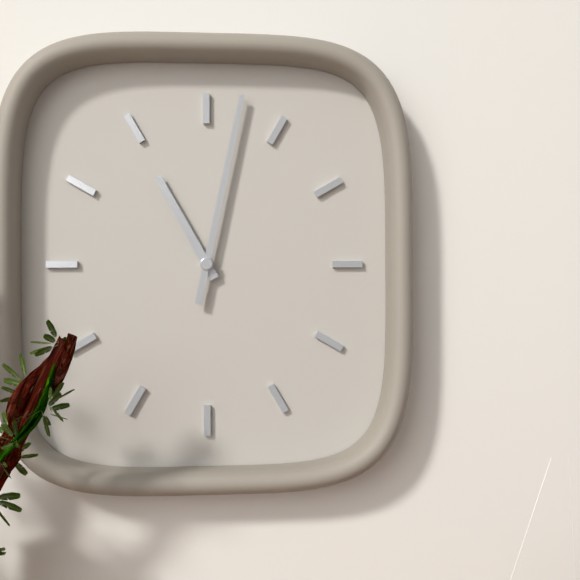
11:02
